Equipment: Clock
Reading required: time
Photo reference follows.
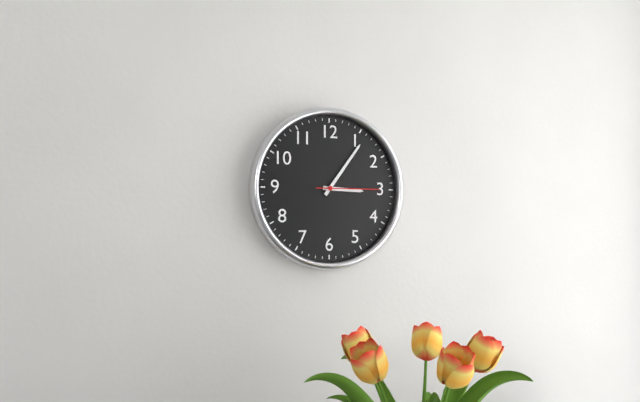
3:06:15
